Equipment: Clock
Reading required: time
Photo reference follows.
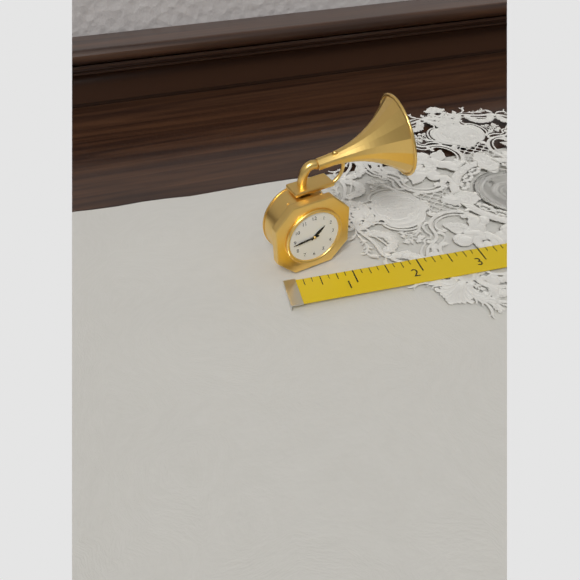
1:44
